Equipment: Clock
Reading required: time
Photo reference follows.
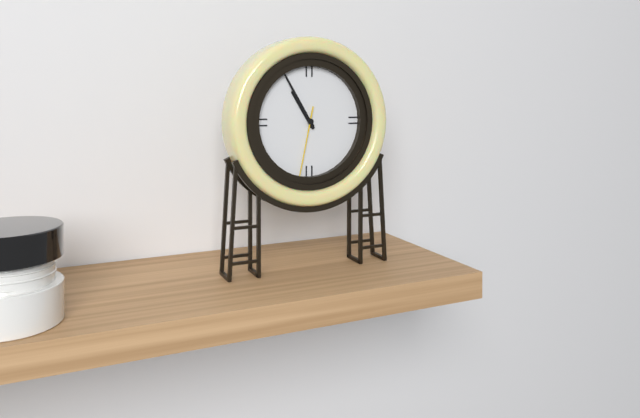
10:55:32
